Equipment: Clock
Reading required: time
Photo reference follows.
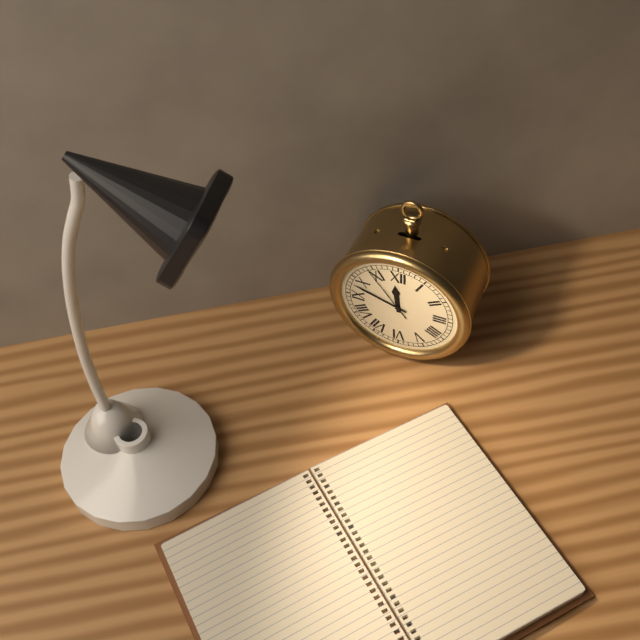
11:48:54
